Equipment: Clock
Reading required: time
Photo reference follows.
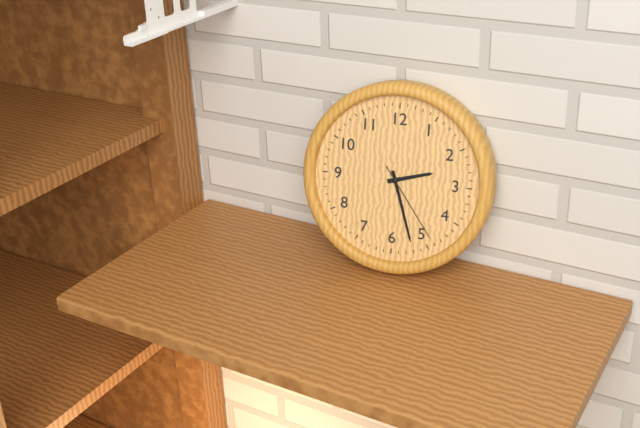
2:27:24
